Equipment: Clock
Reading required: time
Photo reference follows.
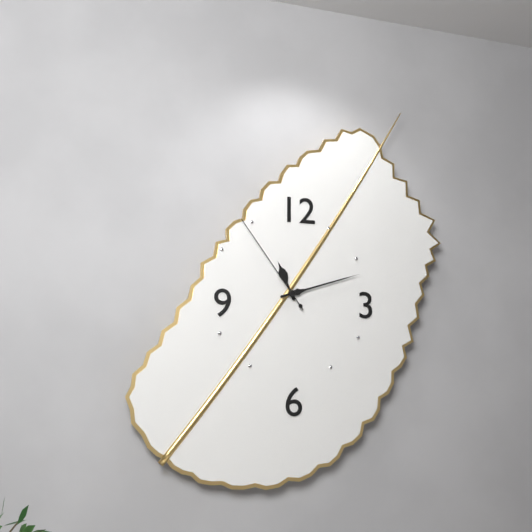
11:12:54
